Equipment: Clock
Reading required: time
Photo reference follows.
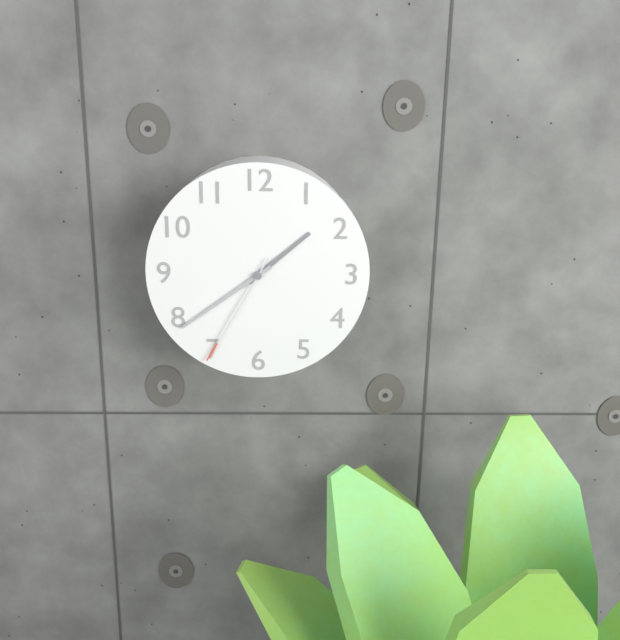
1:39:35
